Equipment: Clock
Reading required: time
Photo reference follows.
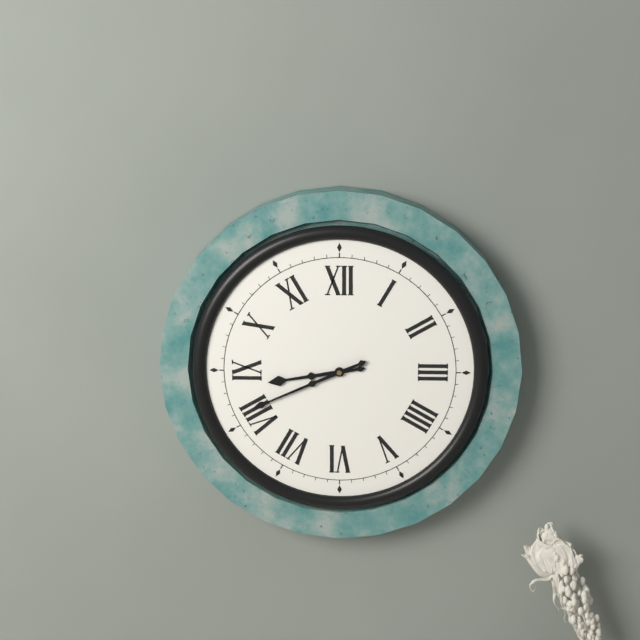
8:41
